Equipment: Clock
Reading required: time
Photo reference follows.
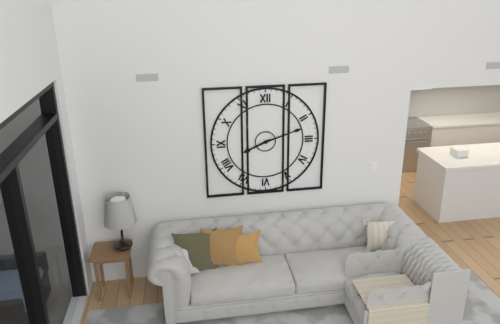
8:12
